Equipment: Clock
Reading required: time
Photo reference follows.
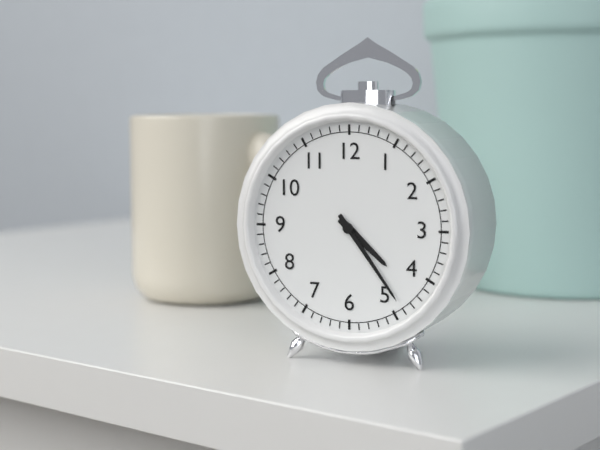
4:24
